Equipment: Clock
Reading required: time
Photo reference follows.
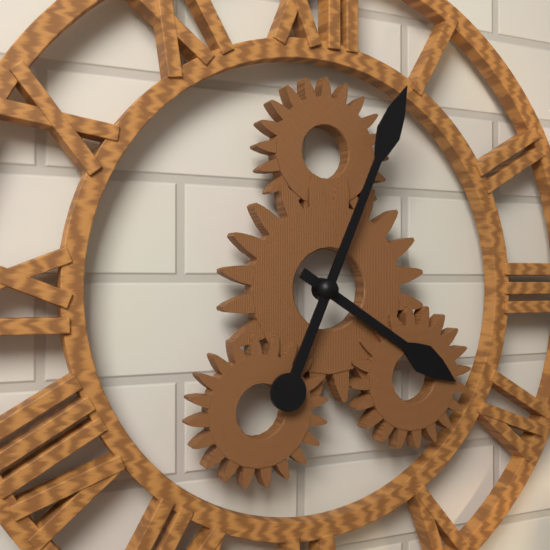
4:04
